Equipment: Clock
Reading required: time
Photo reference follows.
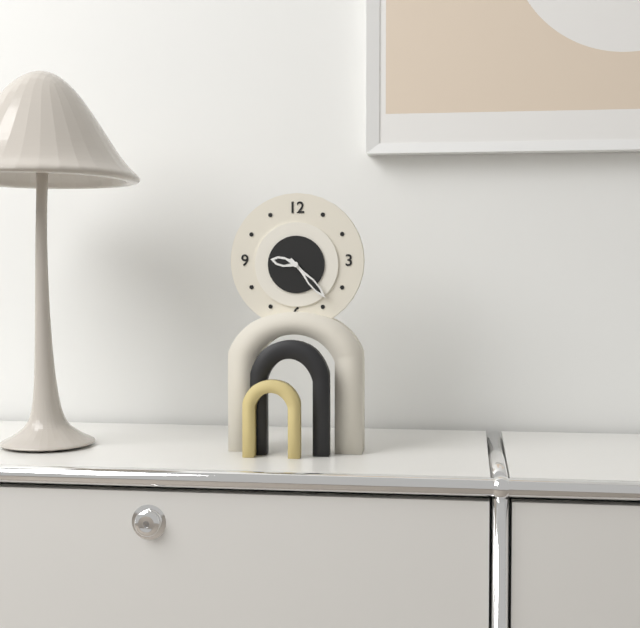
9:23
